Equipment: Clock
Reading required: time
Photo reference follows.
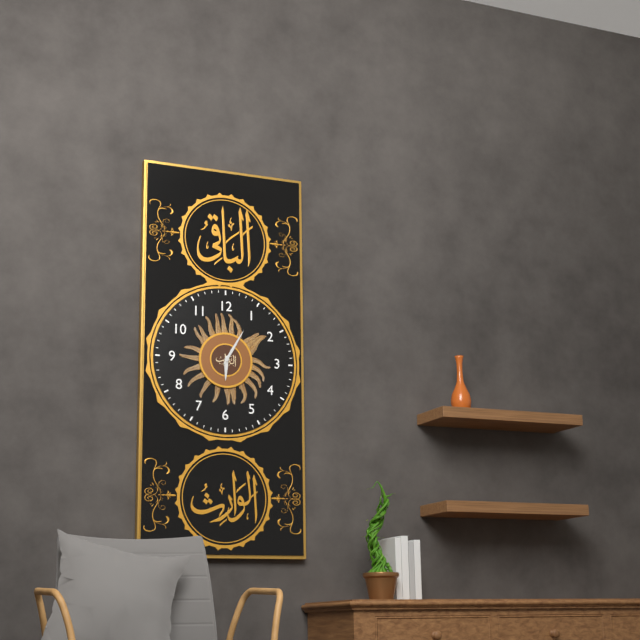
6:05
